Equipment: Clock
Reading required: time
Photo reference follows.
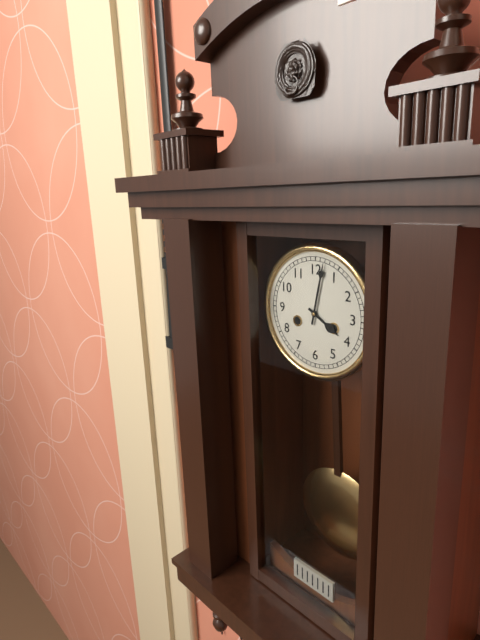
4:02
